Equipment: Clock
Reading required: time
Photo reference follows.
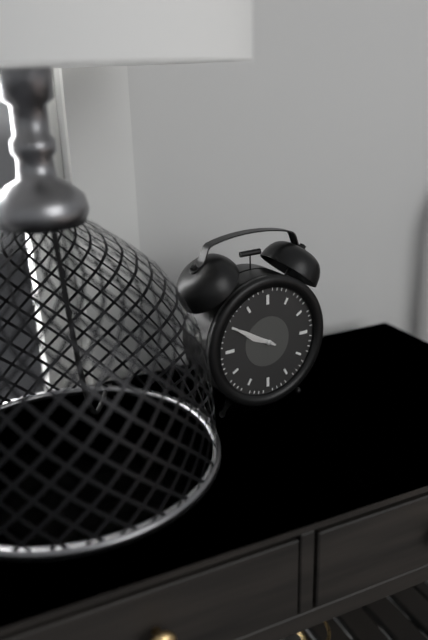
9:50
